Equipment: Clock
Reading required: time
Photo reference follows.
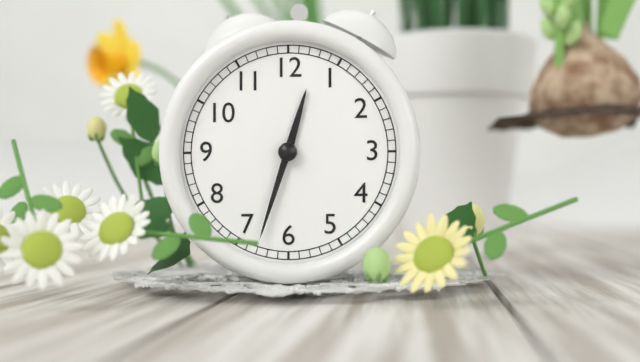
12:33
